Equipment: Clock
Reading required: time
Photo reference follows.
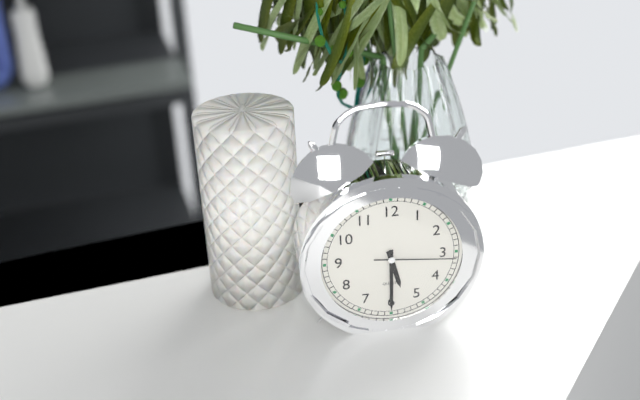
5:30:16
